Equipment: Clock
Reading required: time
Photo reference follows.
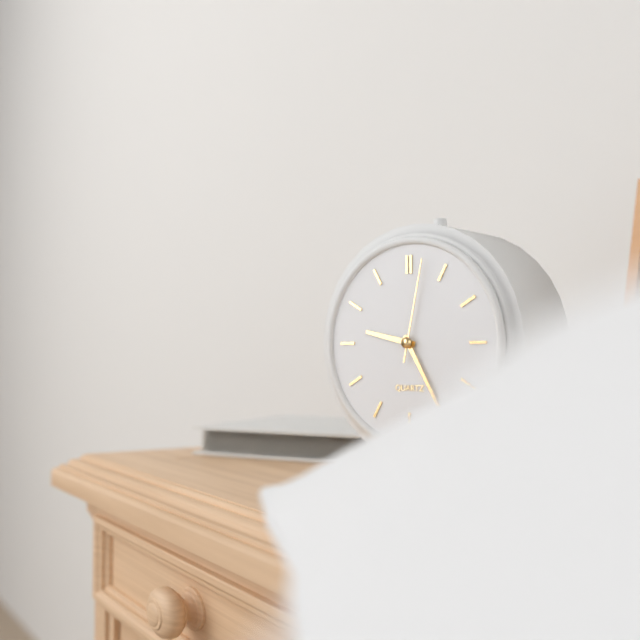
9:25:02
